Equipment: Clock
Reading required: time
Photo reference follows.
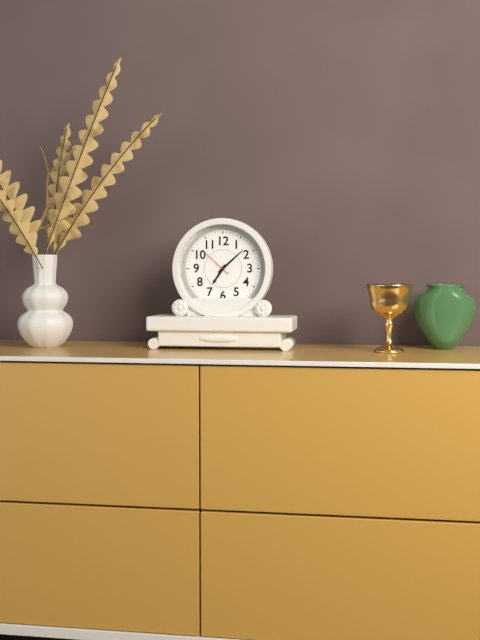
7:08
